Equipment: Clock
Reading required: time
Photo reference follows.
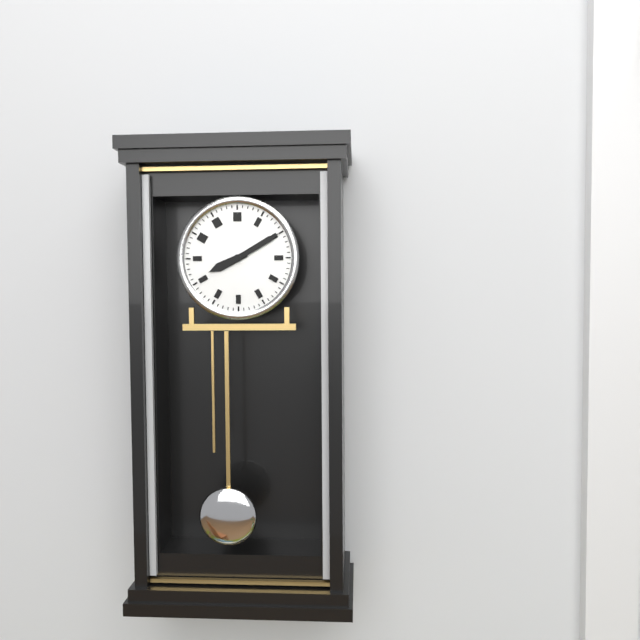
8:10
